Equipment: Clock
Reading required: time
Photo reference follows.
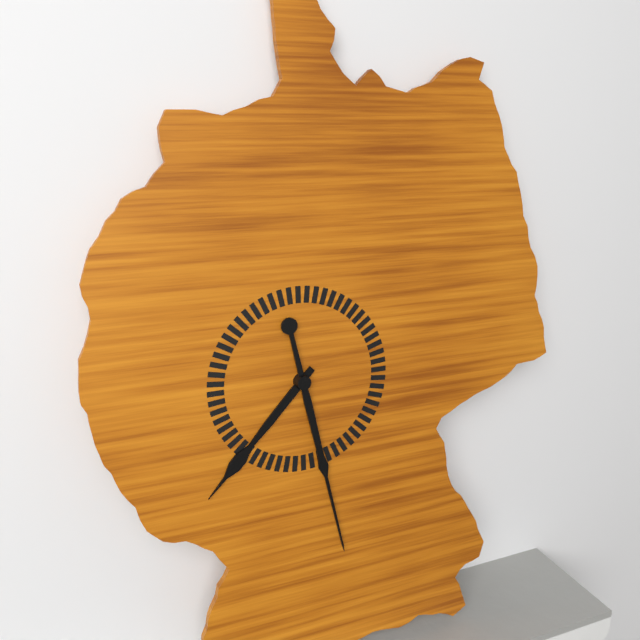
7:28
